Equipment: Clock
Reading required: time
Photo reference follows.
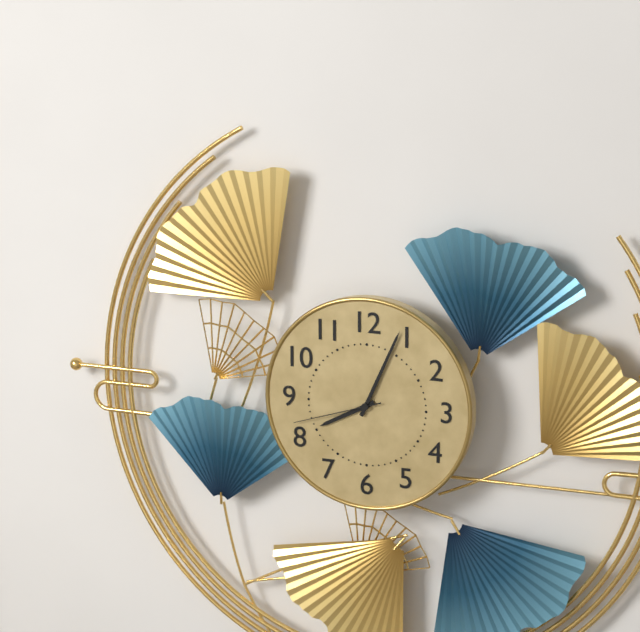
8:04:42
